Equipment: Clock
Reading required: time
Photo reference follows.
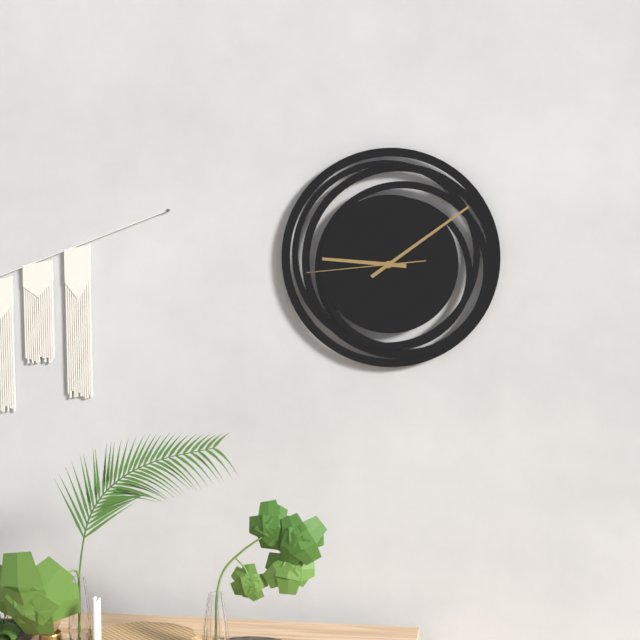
9:09:44
